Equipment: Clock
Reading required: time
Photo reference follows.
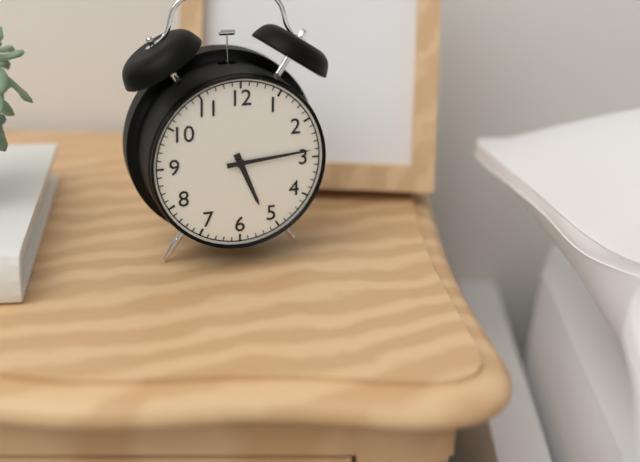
5:14
